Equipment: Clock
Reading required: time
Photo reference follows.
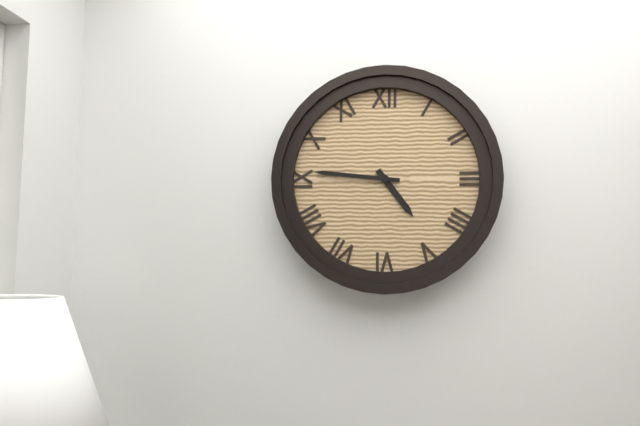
4:46
